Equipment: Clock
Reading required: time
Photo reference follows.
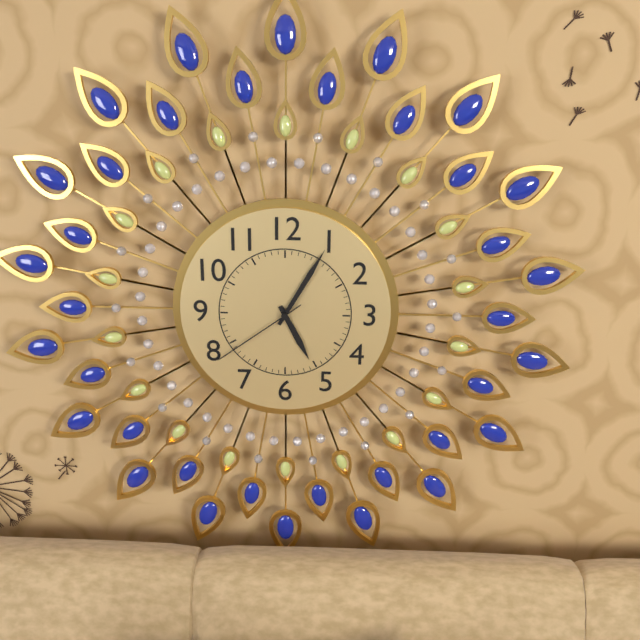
5:05:39
